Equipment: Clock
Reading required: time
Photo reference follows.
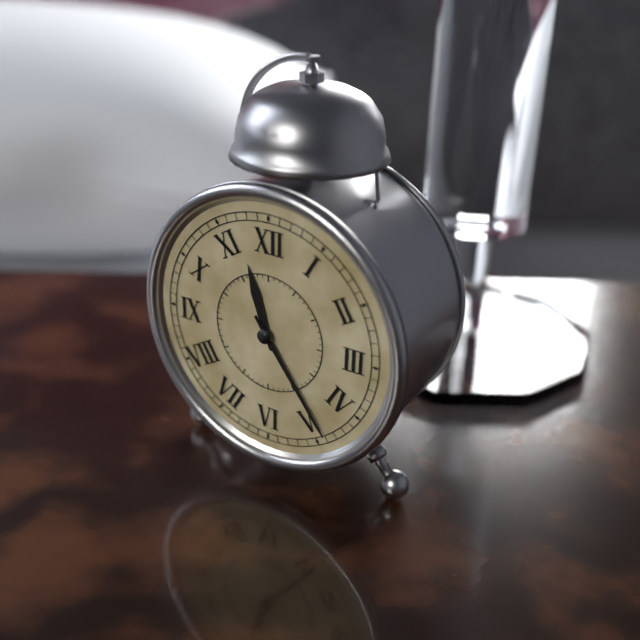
11:24
